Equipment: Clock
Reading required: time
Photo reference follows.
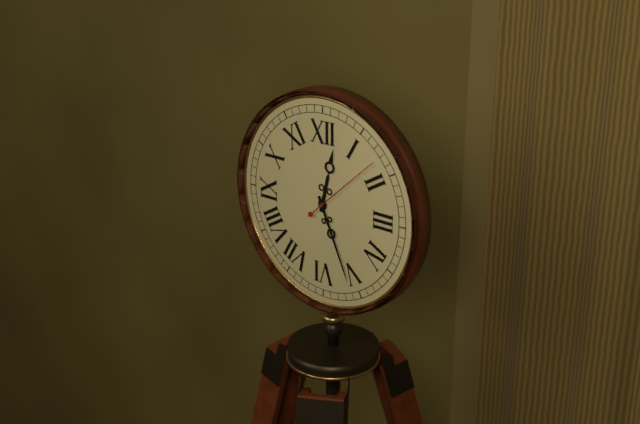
12:26:08
